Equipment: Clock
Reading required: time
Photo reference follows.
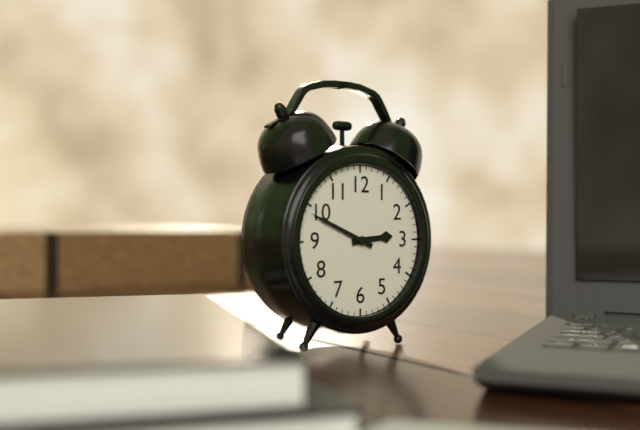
2:49
